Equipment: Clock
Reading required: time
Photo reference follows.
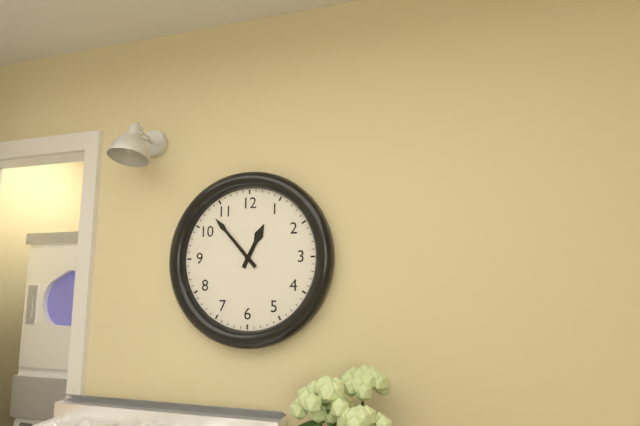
12:53
